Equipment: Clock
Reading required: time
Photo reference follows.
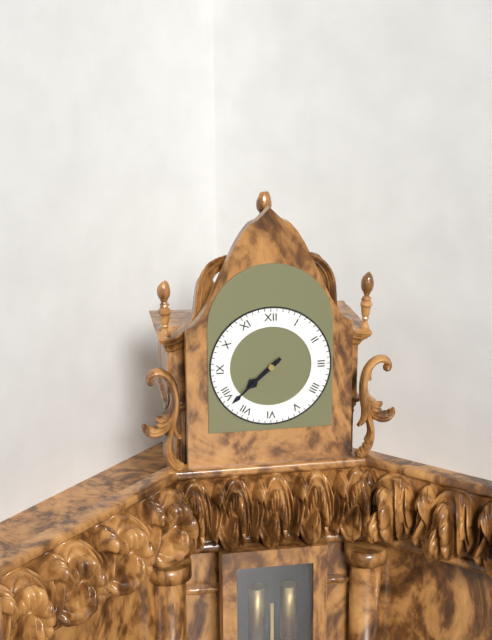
7:38
